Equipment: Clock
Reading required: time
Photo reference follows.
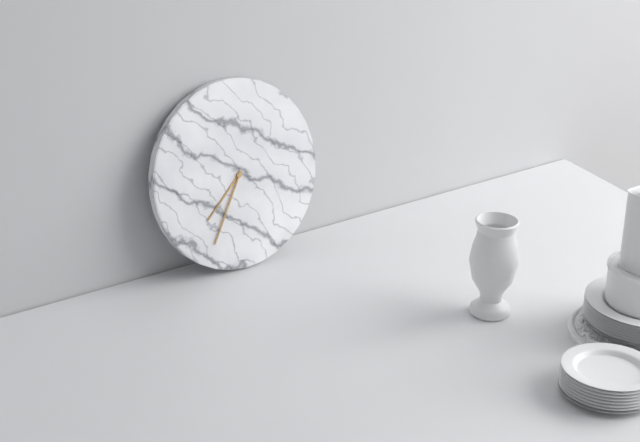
7:35
